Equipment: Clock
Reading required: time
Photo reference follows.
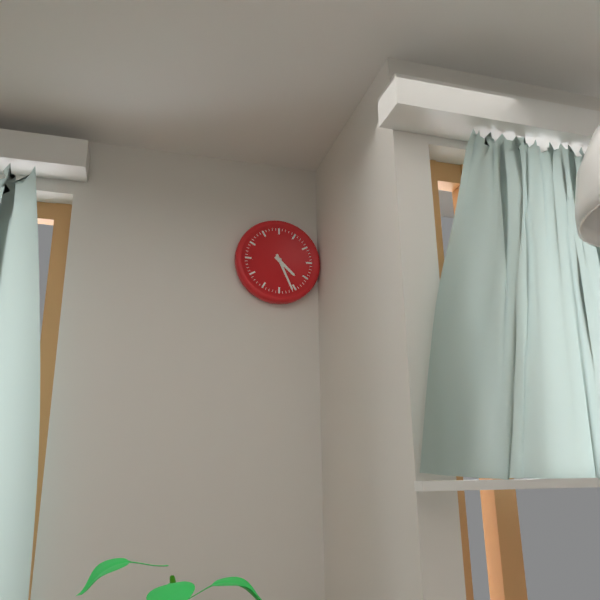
4:26
